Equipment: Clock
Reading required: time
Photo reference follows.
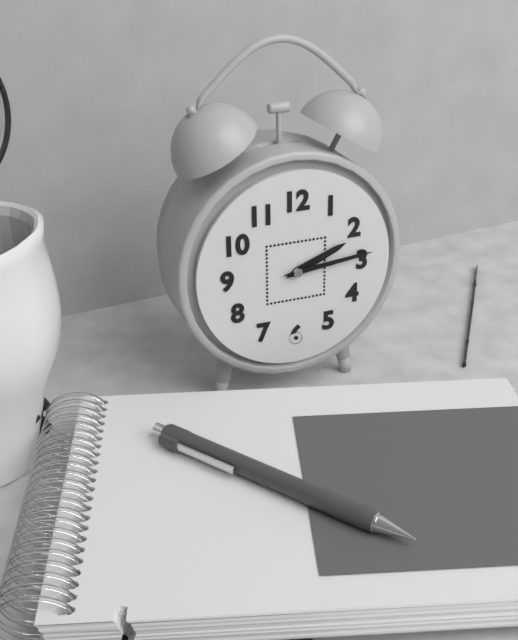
2:14
